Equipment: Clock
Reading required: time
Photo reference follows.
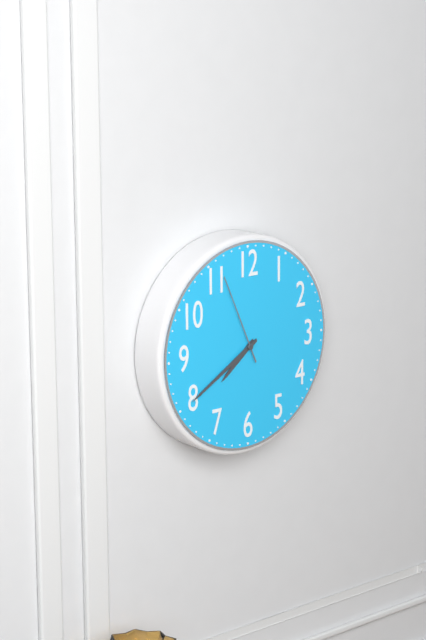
7:40:56
